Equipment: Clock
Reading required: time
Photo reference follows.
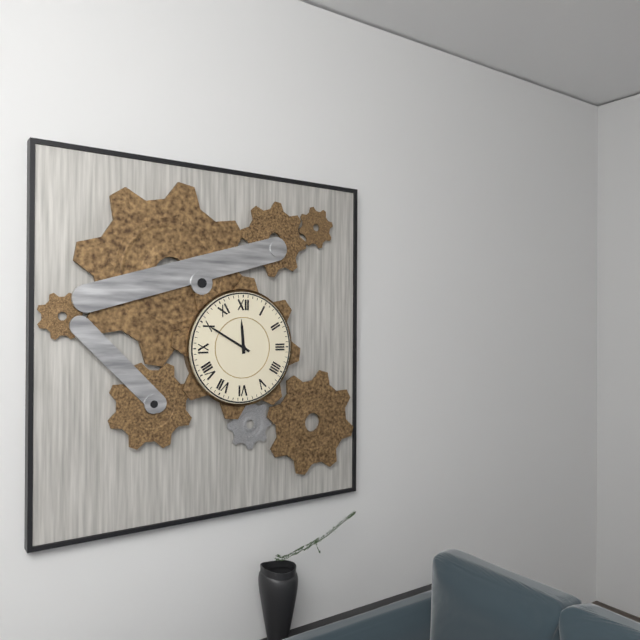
11:50
